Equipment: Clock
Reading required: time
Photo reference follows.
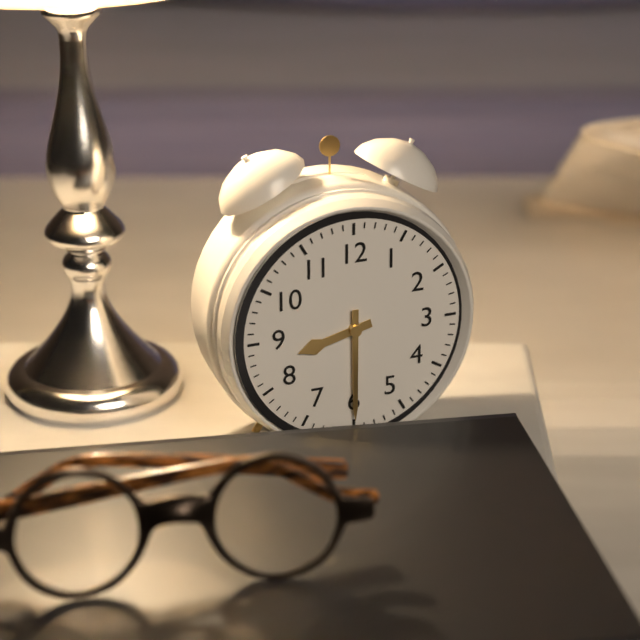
8:30
